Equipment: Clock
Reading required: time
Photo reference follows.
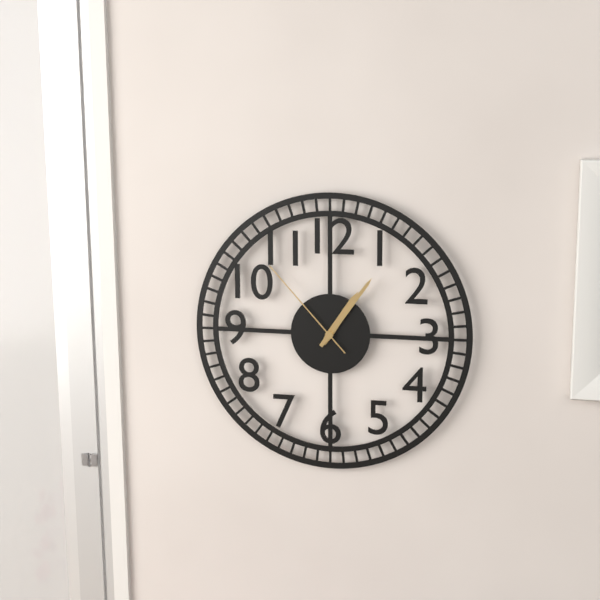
1:06:53
